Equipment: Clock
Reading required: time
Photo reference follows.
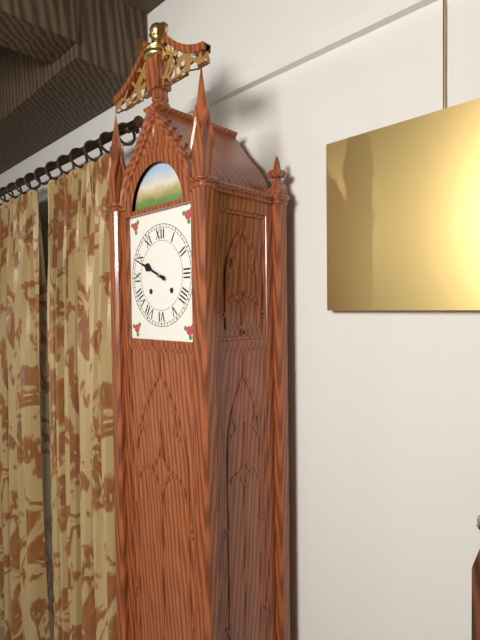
9:49
